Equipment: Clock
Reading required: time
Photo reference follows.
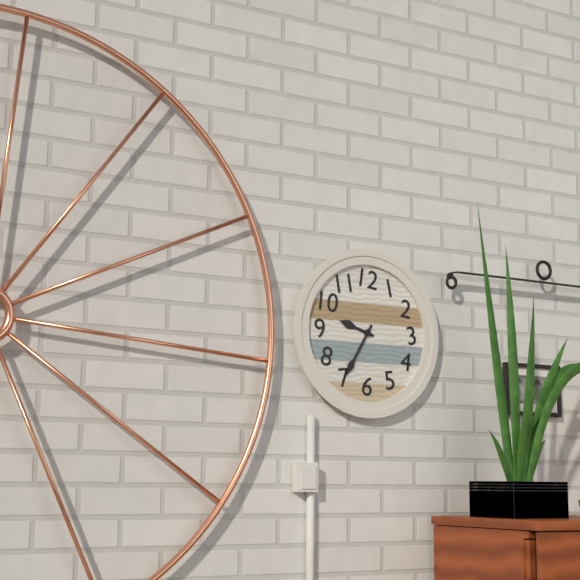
9:35
